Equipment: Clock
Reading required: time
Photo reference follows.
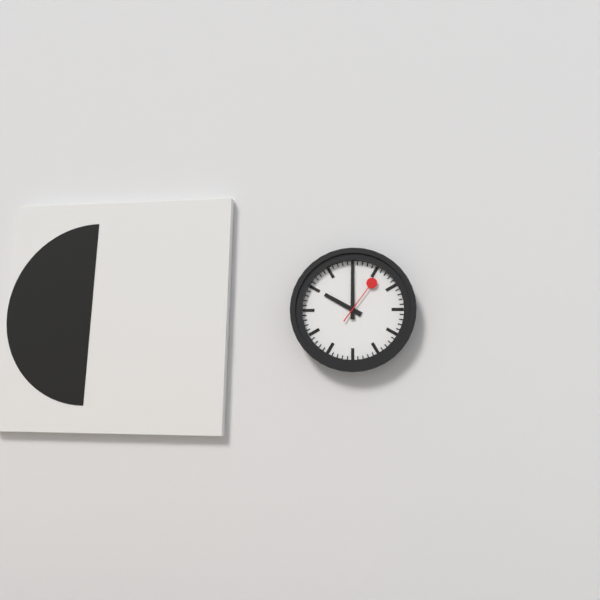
10:00
